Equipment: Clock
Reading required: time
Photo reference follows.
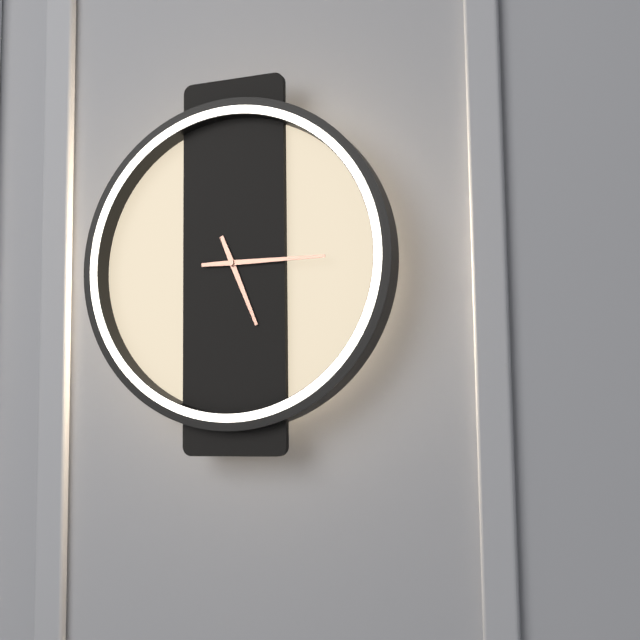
5:15
